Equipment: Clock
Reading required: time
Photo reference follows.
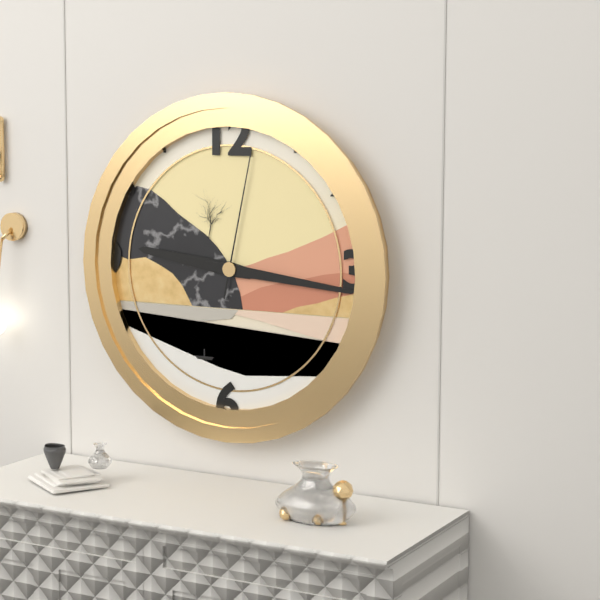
9:16:02
